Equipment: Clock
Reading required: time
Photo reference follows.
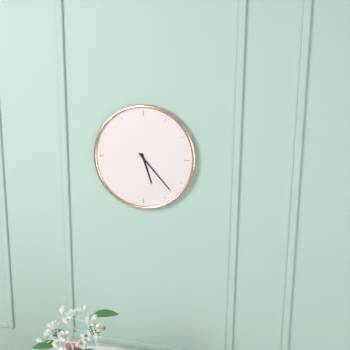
5:23
